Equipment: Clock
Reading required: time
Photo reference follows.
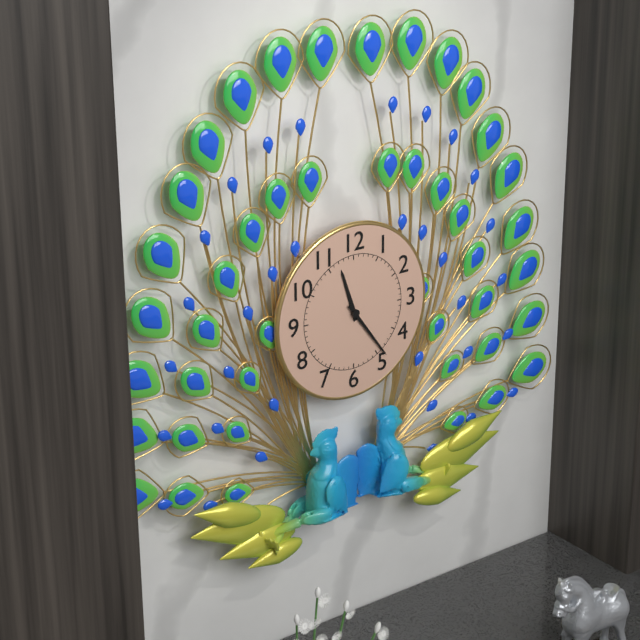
11:24
